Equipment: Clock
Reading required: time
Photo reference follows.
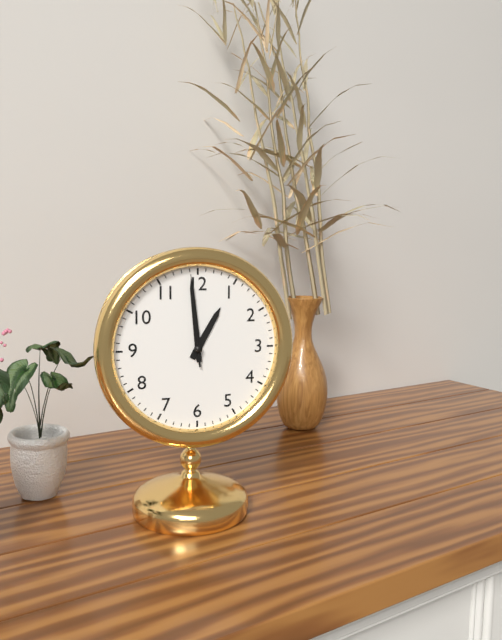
12:59:59
